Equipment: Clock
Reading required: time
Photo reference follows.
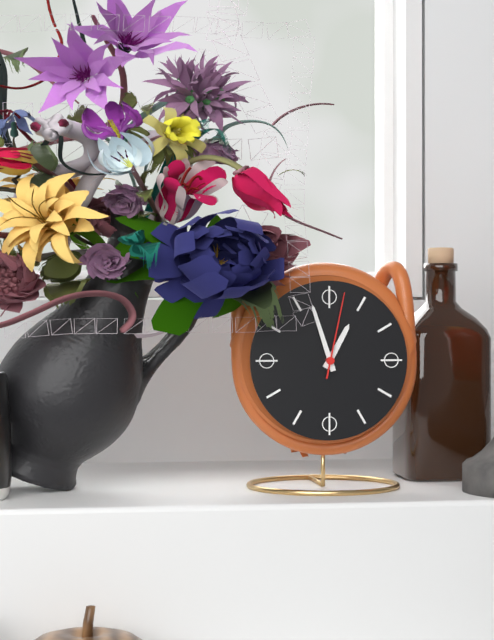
12:57:02
